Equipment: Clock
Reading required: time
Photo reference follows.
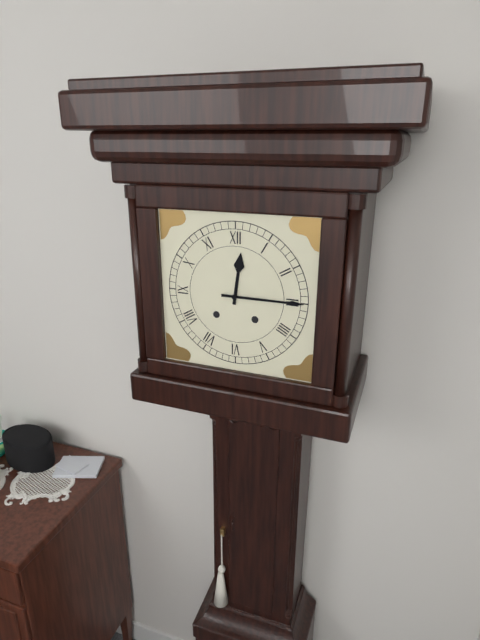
12:15
